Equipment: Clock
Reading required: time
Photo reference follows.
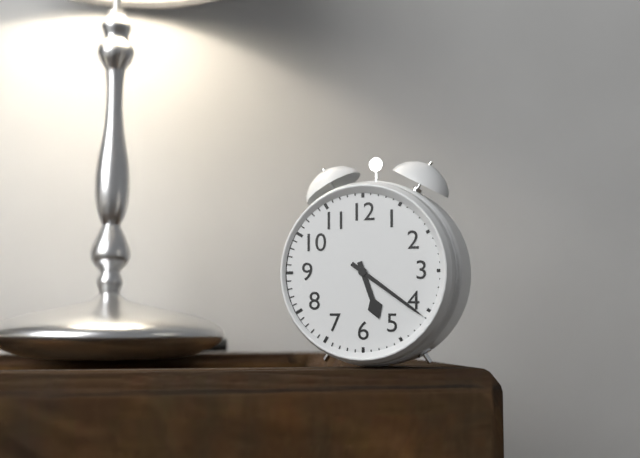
5:21
